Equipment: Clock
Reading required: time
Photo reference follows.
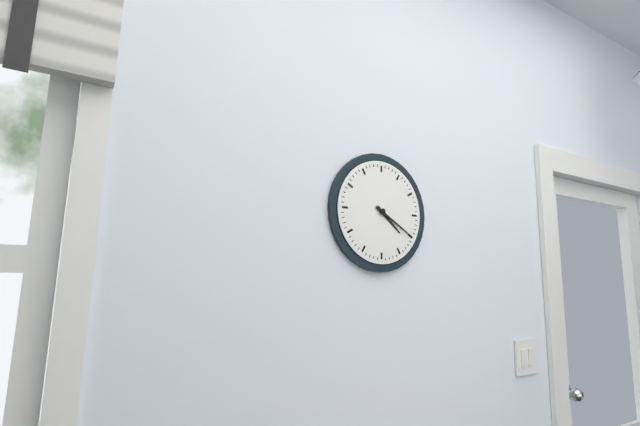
4:20
